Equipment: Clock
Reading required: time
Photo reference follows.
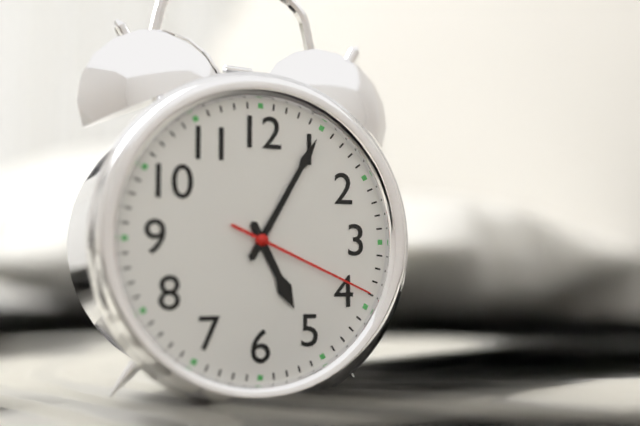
5:05:19
